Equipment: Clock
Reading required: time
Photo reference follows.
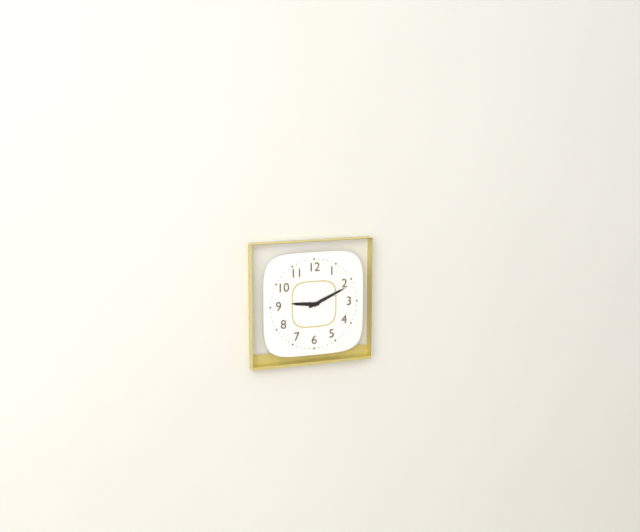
9:11
